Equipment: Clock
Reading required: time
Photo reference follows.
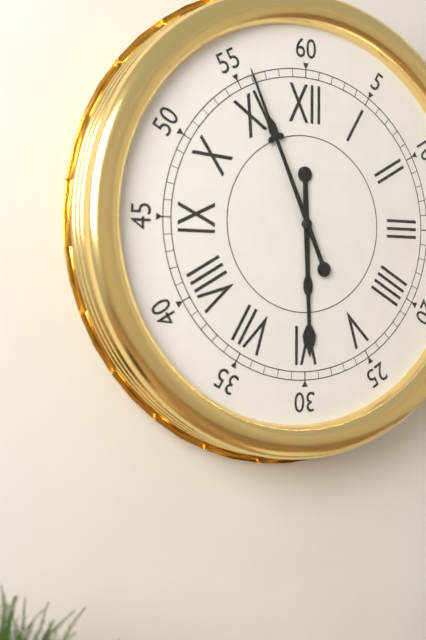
5:56
